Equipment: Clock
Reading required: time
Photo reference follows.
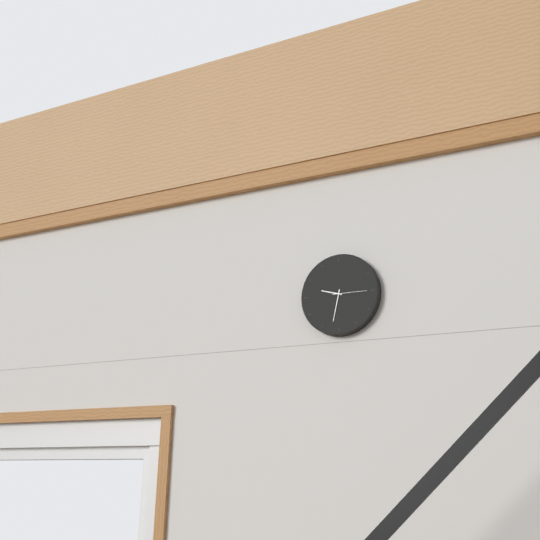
9:32
